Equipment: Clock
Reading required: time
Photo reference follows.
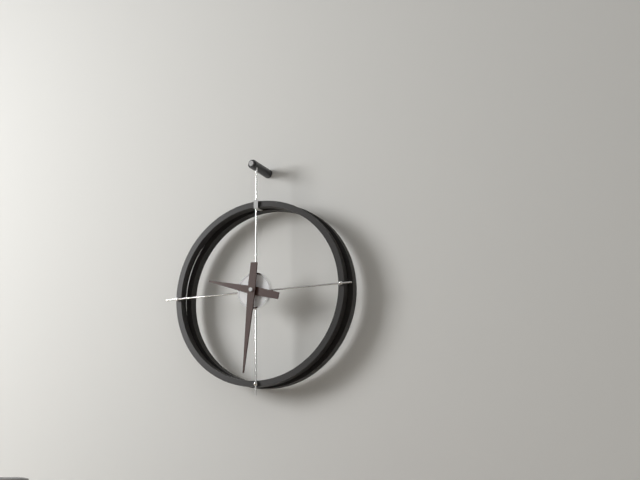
9:31
